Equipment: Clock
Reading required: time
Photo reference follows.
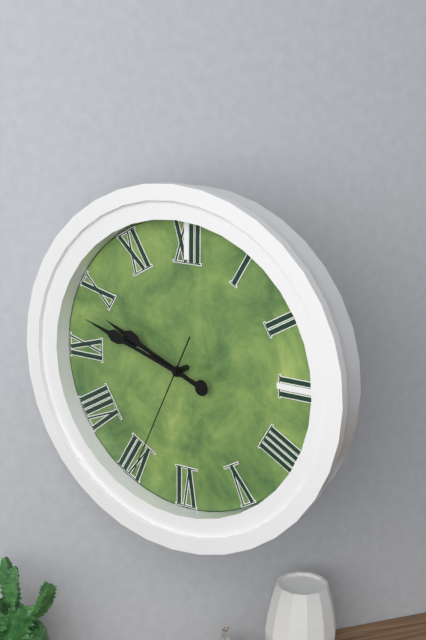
9:48:34
